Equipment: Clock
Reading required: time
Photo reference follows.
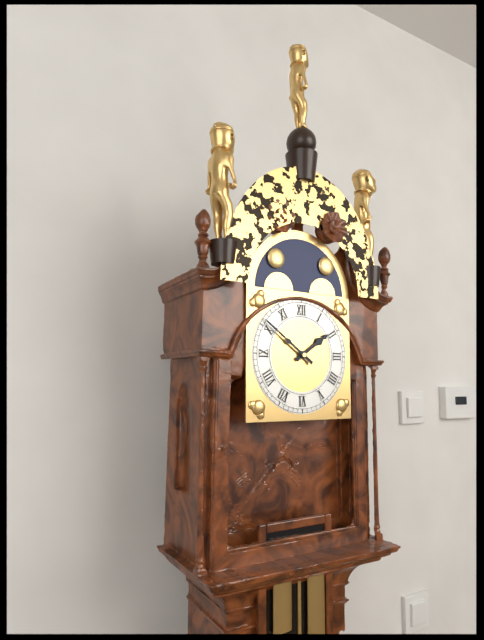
1:51
